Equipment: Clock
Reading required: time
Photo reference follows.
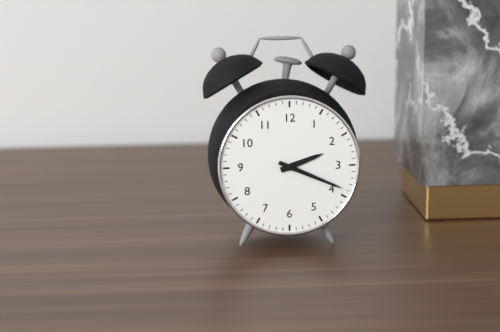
2:19
